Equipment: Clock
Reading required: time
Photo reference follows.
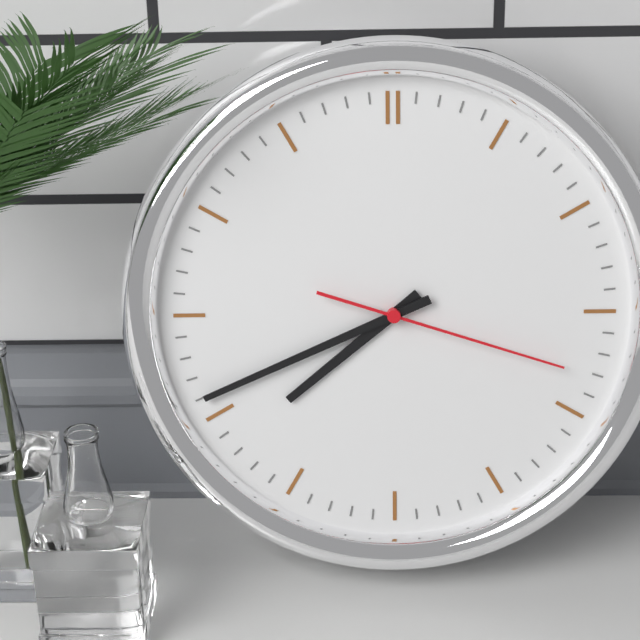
7:41:18
